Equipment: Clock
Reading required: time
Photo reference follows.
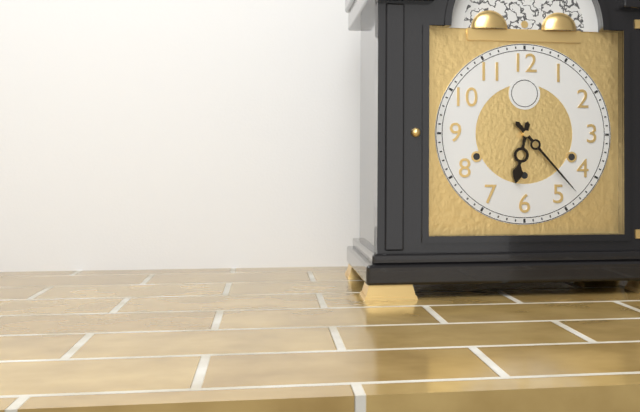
6:23
